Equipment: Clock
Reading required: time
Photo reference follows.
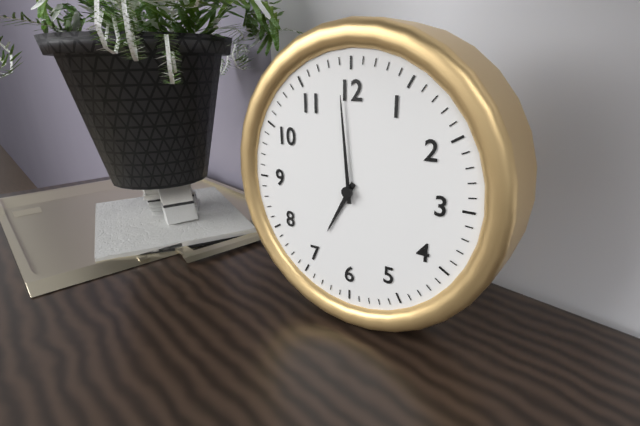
6:59
